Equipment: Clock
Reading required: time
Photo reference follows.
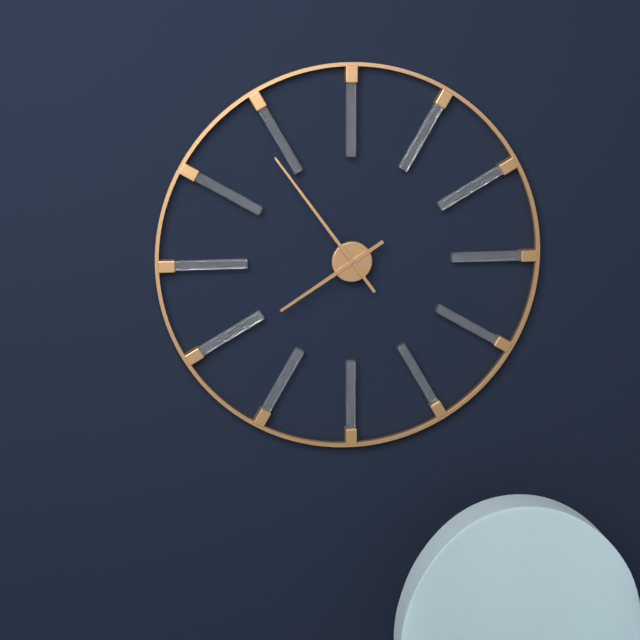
7:54
